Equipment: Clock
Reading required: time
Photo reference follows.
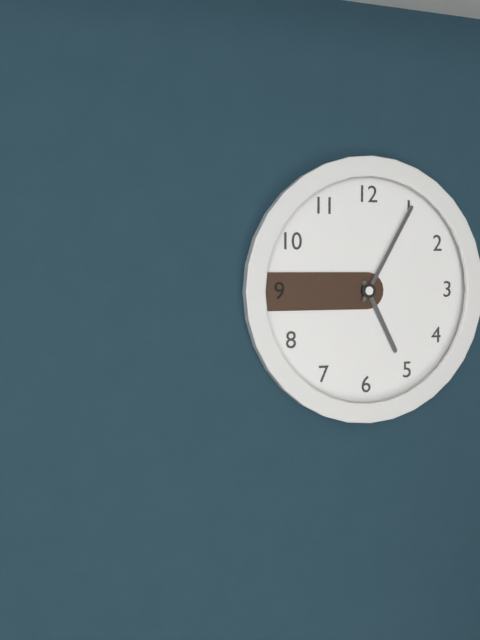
5:05
